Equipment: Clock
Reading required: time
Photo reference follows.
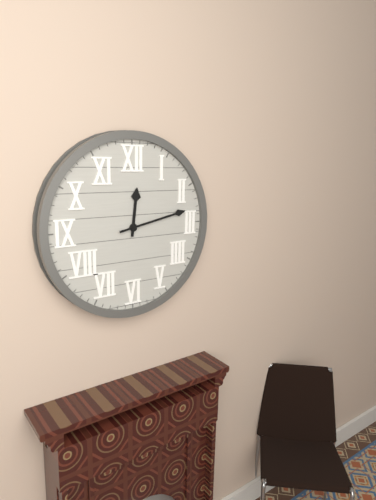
12:13
